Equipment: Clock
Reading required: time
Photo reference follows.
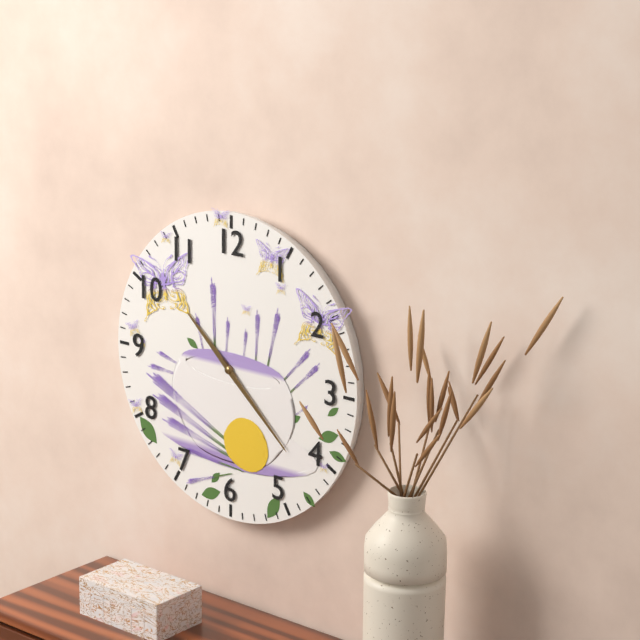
10:22
